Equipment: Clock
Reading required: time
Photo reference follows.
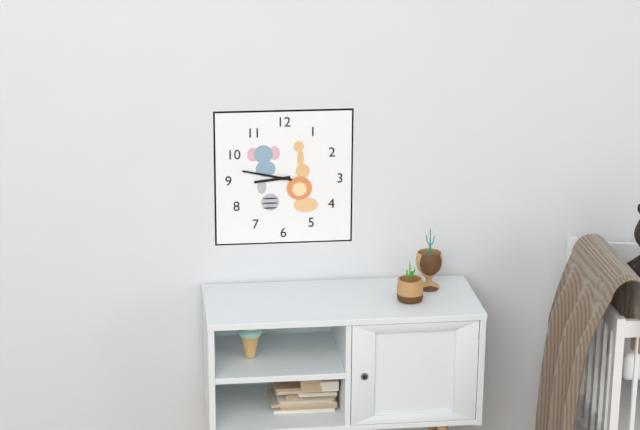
8:47
